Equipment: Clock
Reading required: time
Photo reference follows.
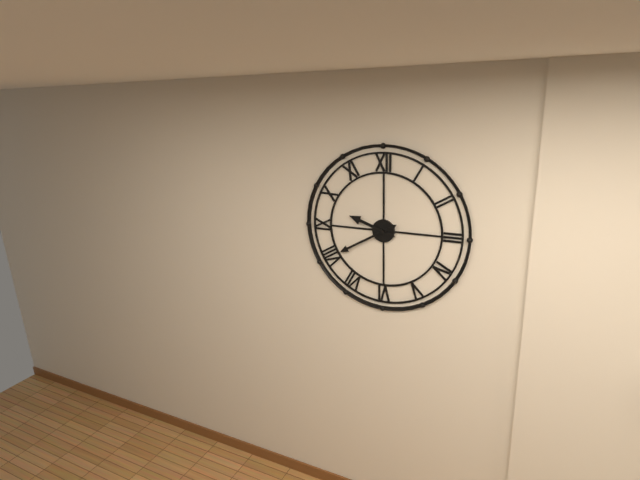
9:40
